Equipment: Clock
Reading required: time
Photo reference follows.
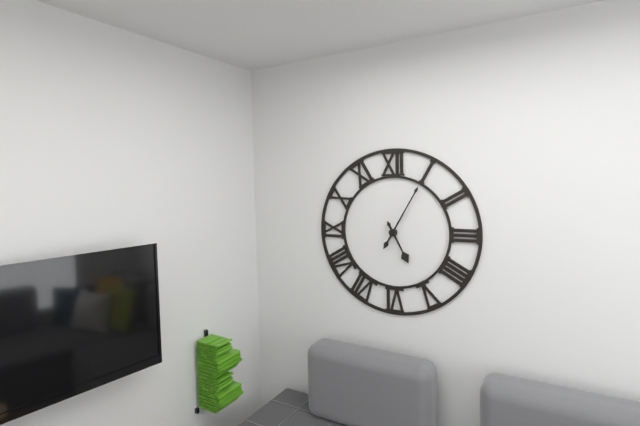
5:05
